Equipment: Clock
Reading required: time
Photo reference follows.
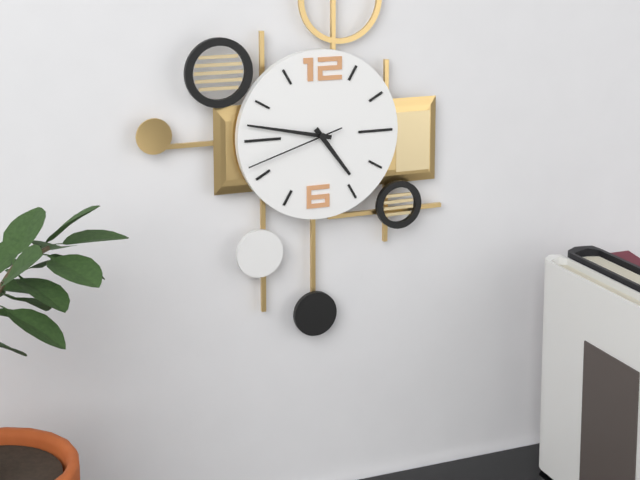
4:47:42
